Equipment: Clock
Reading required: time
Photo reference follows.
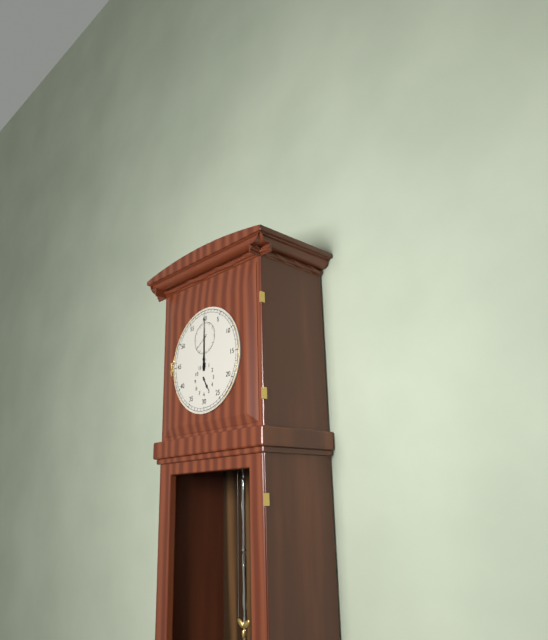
5:00
